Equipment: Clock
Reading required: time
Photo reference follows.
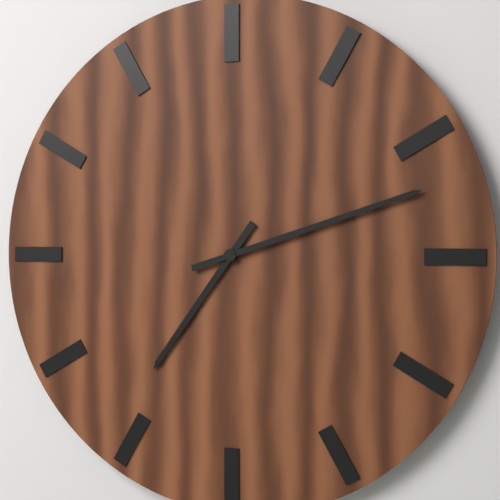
7:12
